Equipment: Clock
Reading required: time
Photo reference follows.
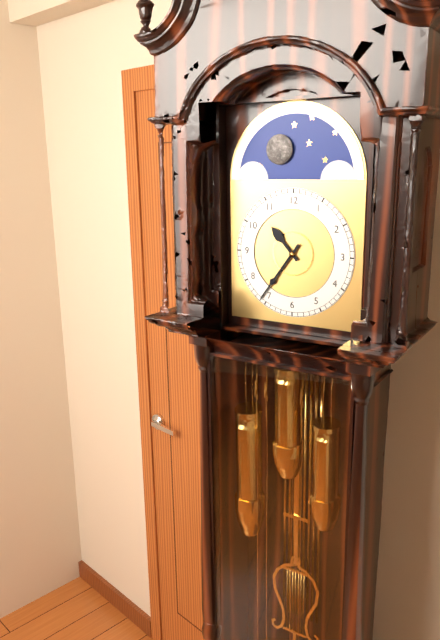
10:36
